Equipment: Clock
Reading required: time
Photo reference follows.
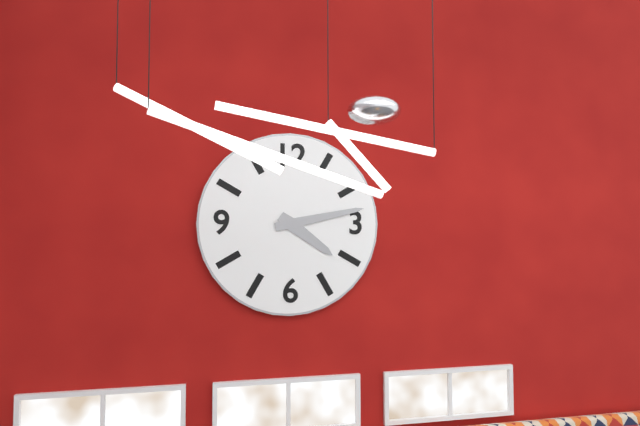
4:13
